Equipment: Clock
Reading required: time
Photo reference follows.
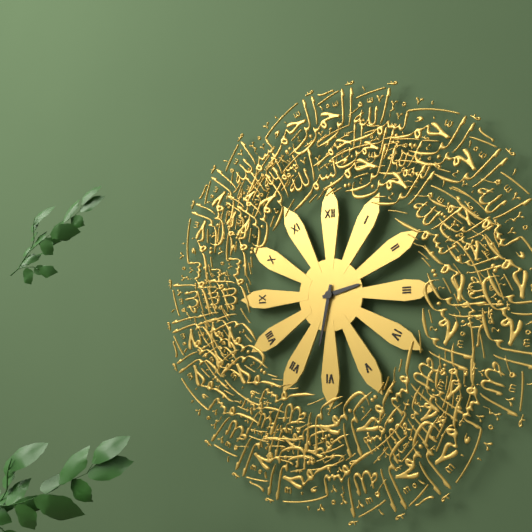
2:32
